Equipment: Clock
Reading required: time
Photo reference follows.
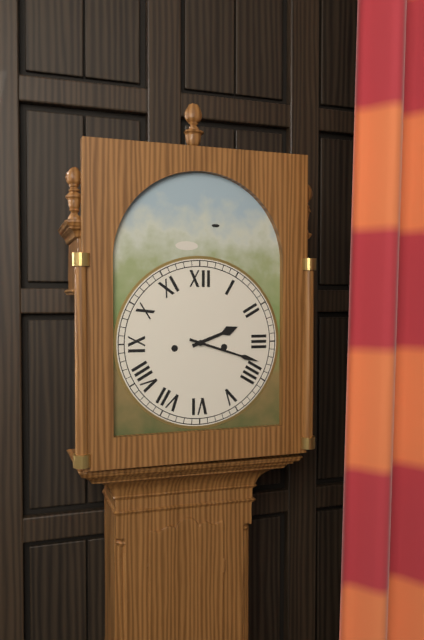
2:18
